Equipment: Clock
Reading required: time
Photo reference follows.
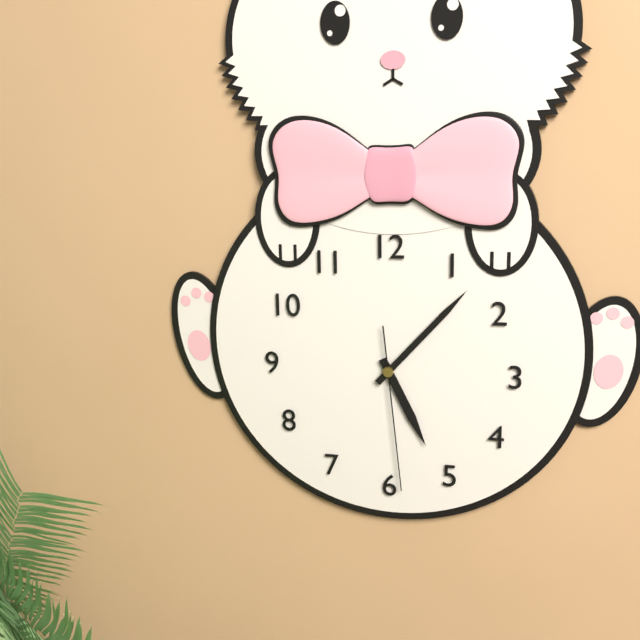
5:07:29
